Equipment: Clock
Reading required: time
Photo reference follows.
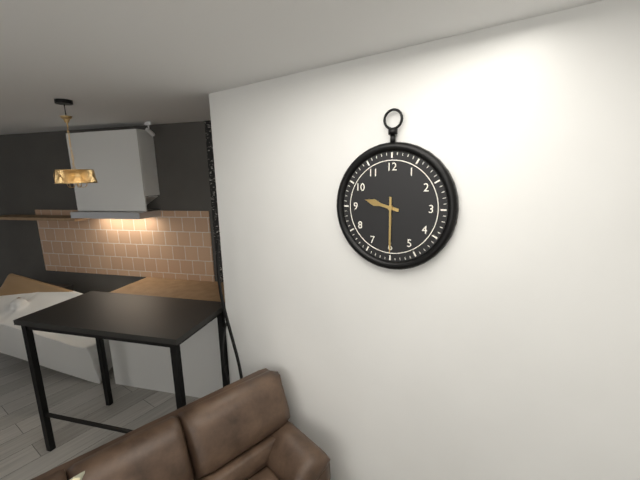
9:30
